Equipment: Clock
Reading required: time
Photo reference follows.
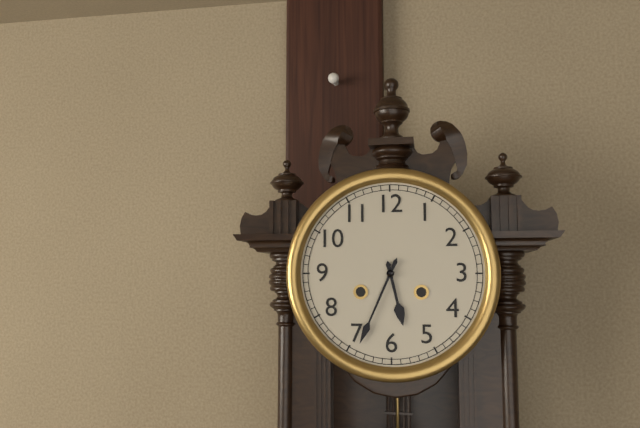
5:34
